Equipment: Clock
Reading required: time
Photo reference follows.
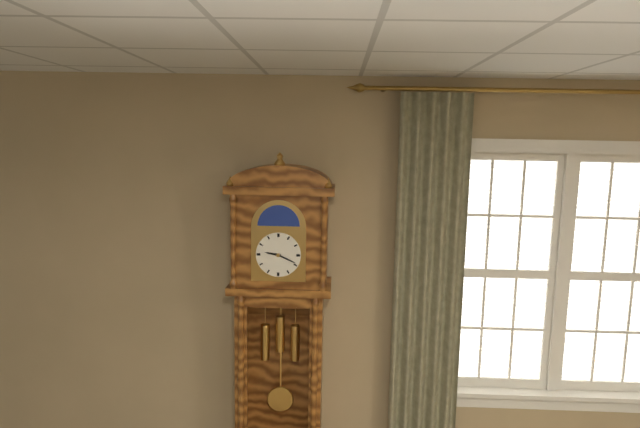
9:19
